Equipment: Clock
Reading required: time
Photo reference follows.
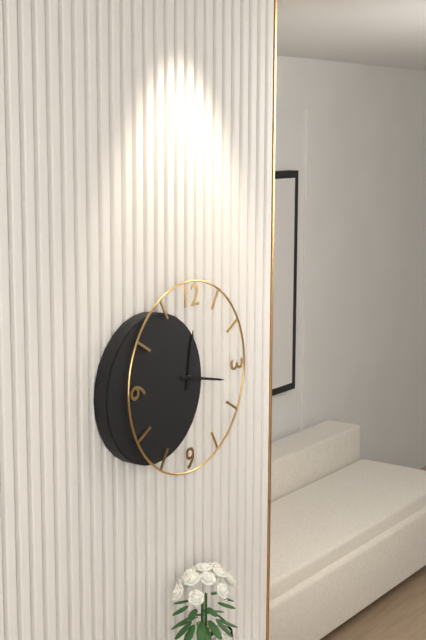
12:17
